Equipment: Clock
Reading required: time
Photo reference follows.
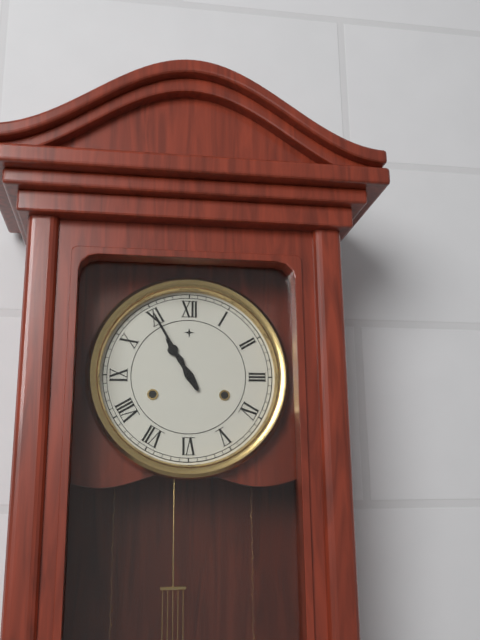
10:55
